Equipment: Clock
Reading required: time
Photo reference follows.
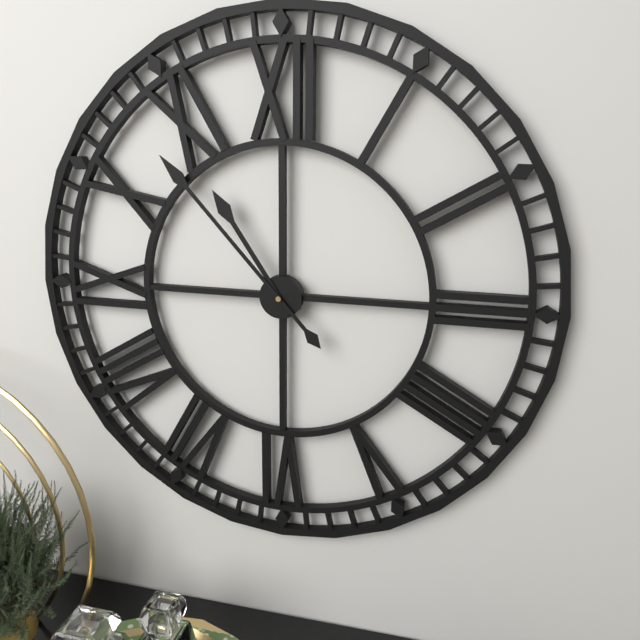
10:53
